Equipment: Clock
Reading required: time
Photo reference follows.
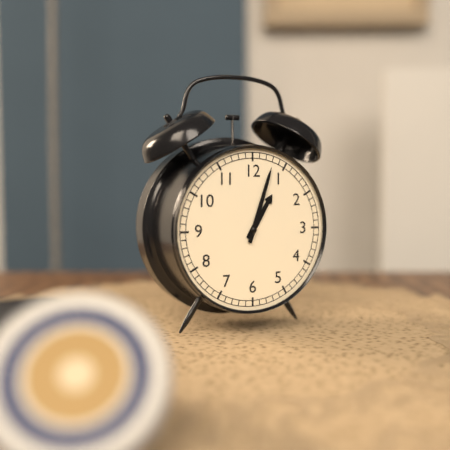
1:03
